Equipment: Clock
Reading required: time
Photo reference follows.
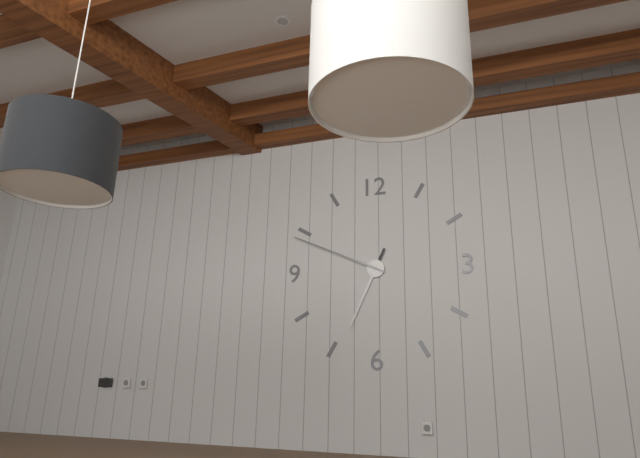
6:49
